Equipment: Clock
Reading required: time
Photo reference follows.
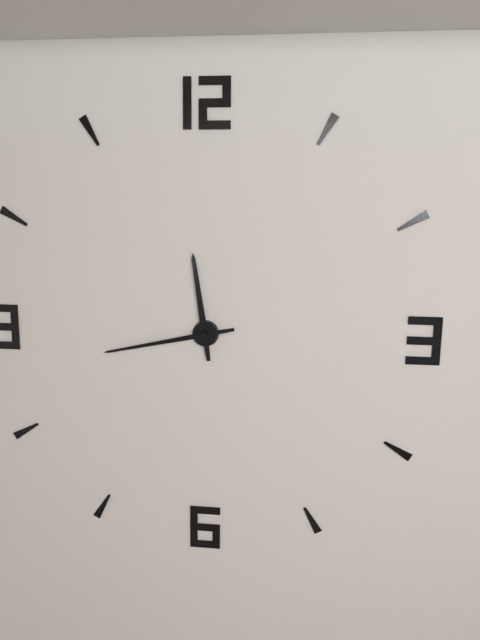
11:43
